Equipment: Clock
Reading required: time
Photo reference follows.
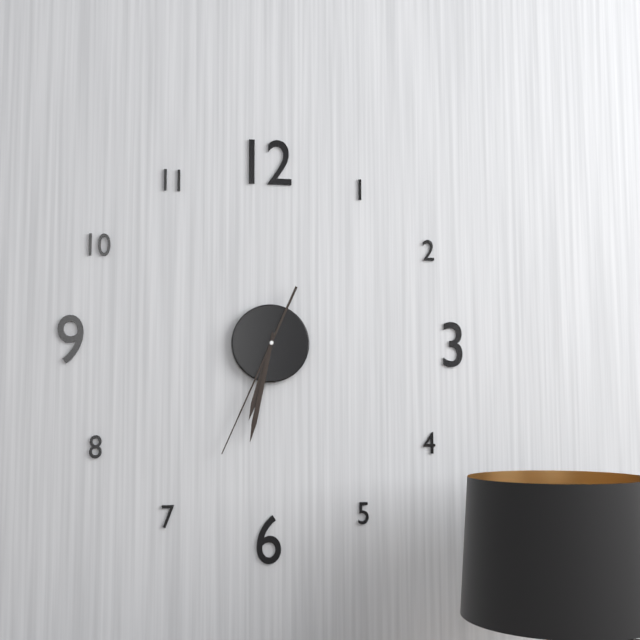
6:32:34
